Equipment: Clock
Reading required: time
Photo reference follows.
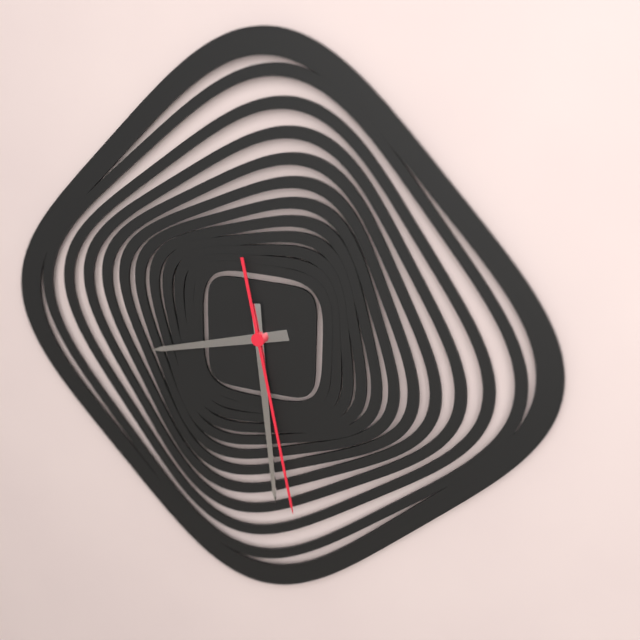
8:29:28
